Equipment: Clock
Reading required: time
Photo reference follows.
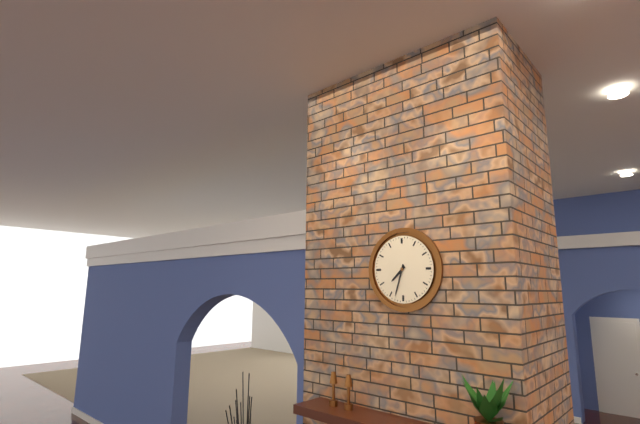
7:33
